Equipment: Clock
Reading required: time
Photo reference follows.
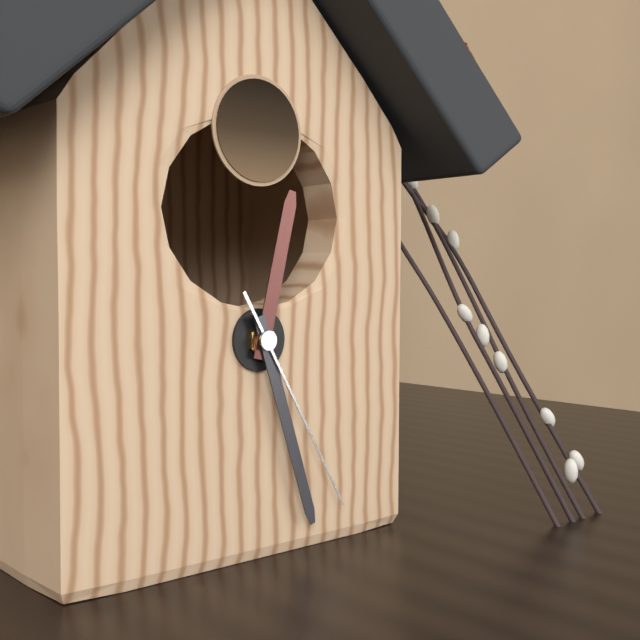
12:27:25
